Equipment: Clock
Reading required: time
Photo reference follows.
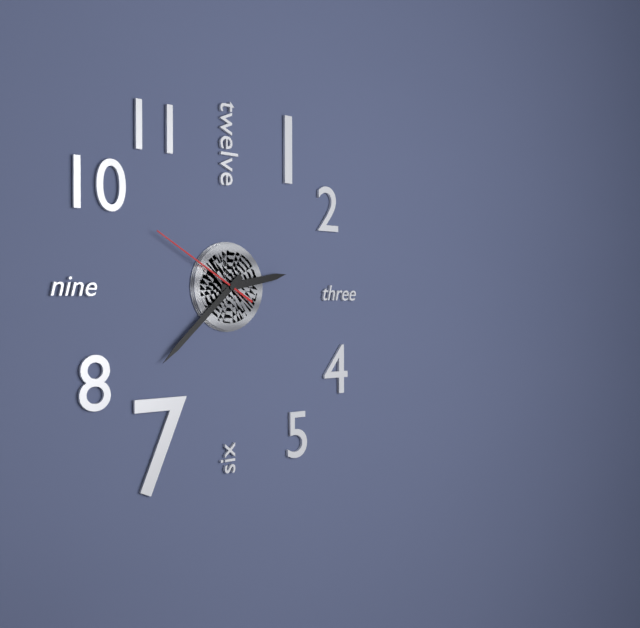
2:38:50
